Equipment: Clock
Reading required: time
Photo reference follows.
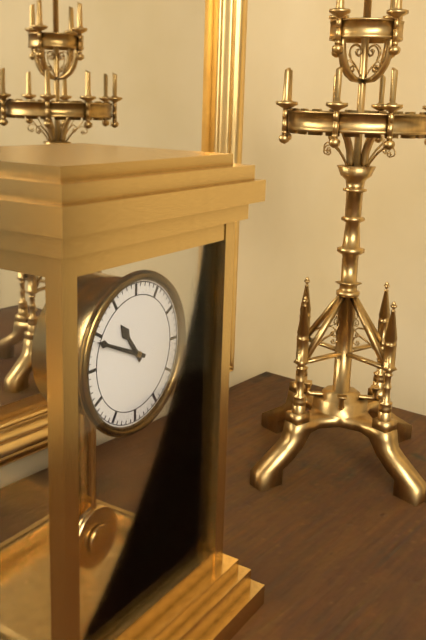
10:49
